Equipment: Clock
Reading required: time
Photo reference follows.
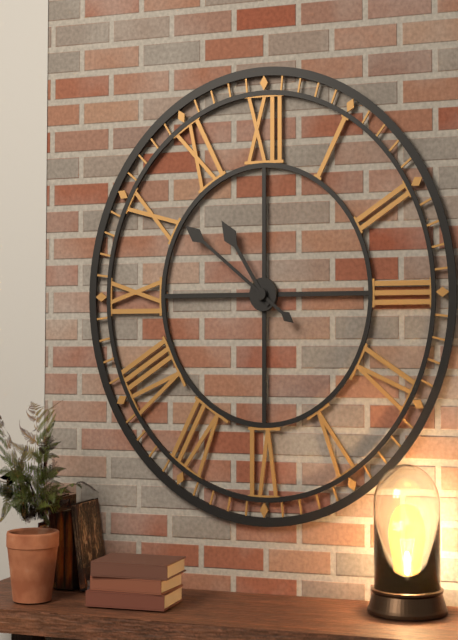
10:51
